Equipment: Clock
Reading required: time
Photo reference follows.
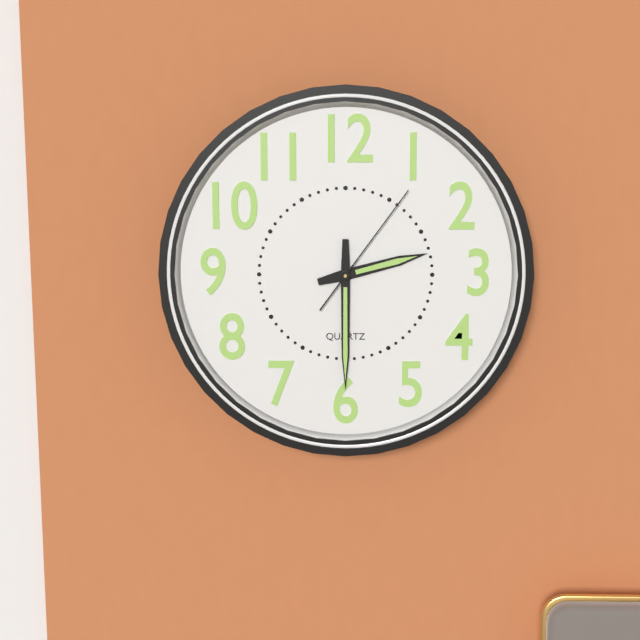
2:30:06
